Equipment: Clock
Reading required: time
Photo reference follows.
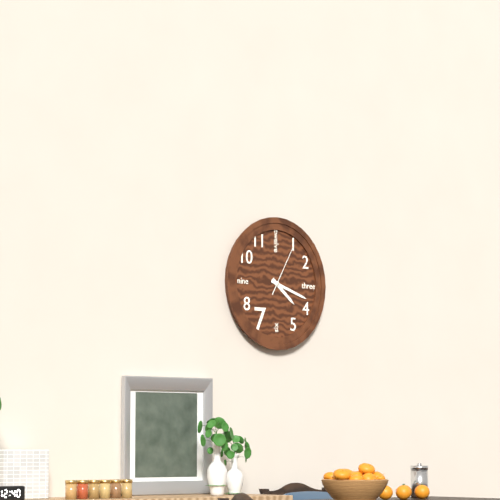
4:18:05
